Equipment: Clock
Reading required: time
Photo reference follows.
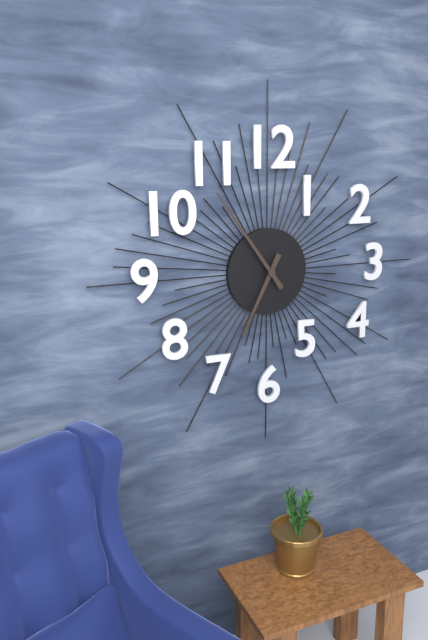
6:54
